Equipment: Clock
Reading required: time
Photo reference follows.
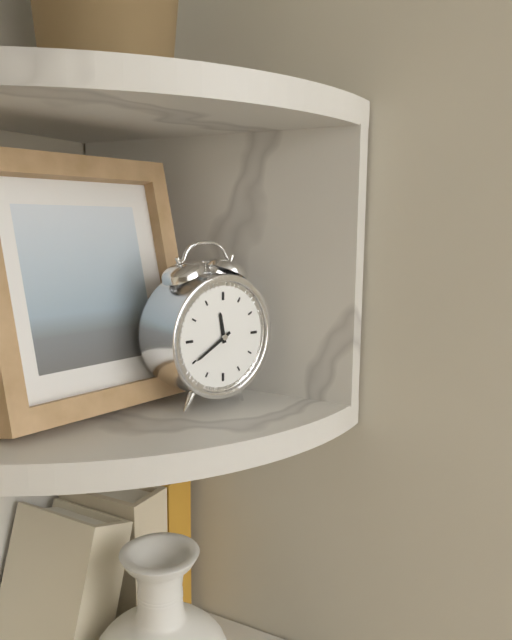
11:40
